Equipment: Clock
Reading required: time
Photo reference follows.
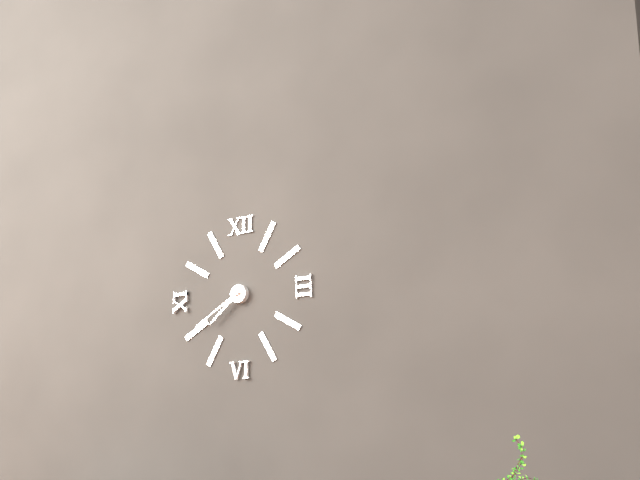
7:40
